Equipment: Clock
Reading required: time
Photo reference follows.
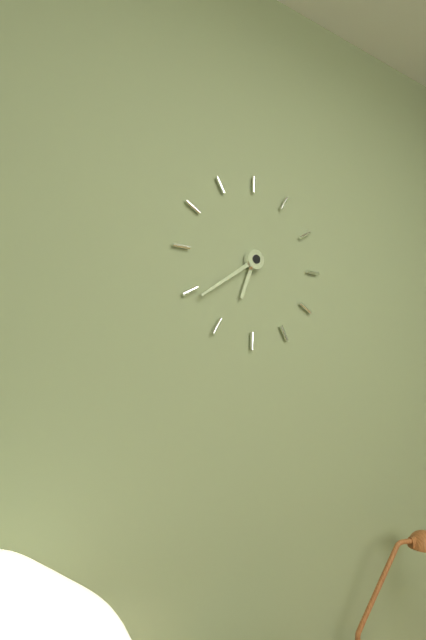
6:39
